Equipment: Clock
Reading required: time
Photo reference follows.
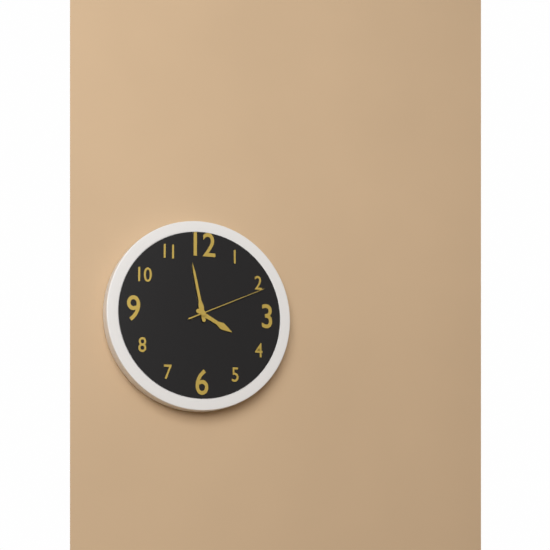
3:58:11
